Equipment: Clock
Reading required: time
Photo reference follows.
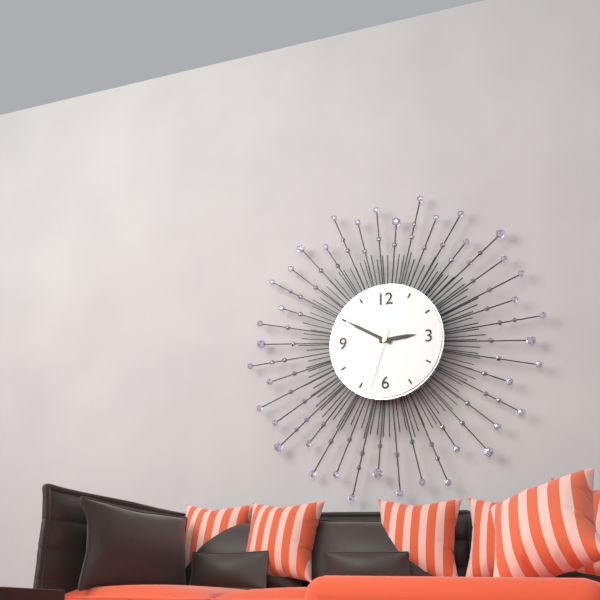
2:50:33
